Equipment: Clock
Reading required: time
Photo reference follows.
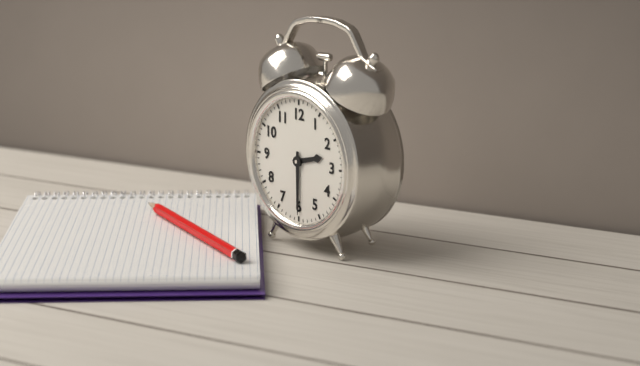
2:30
